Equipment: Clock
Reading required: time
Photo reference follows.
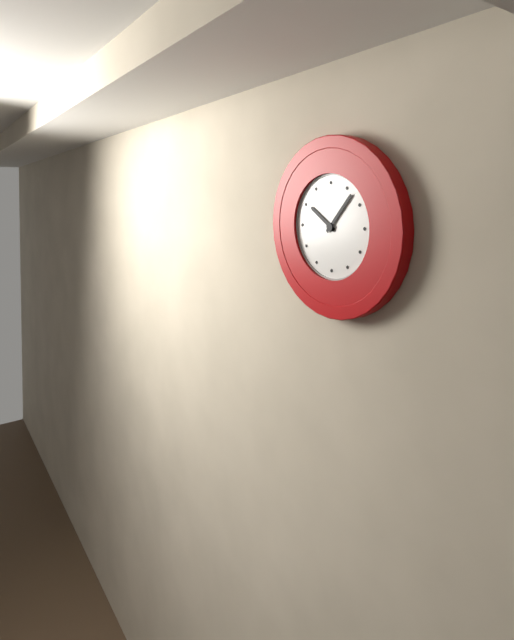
10:07
